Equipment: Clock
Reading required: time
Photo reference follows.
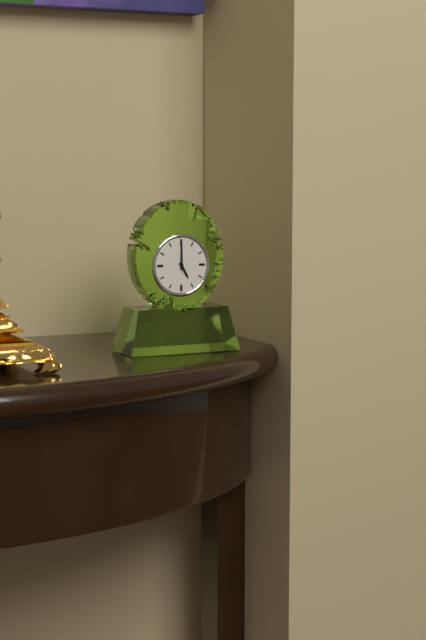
5:00
